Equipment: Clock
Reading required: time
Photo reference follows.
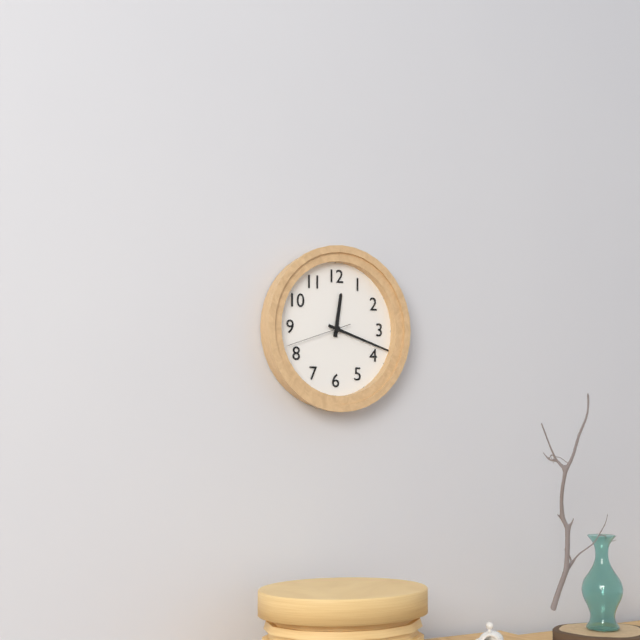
12:18:42
